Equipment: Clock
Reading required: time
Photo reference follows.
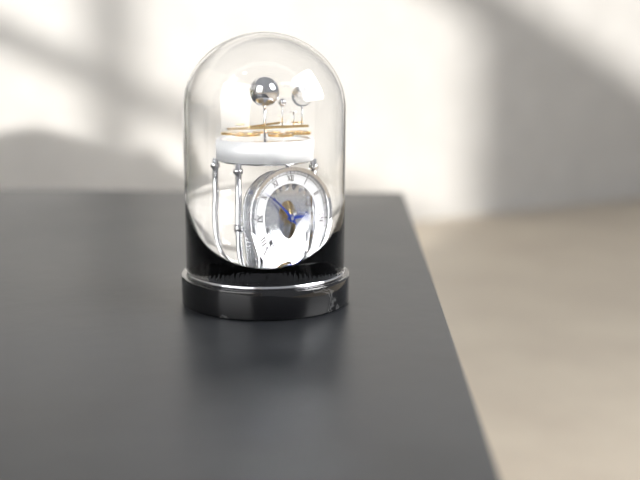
2:51
